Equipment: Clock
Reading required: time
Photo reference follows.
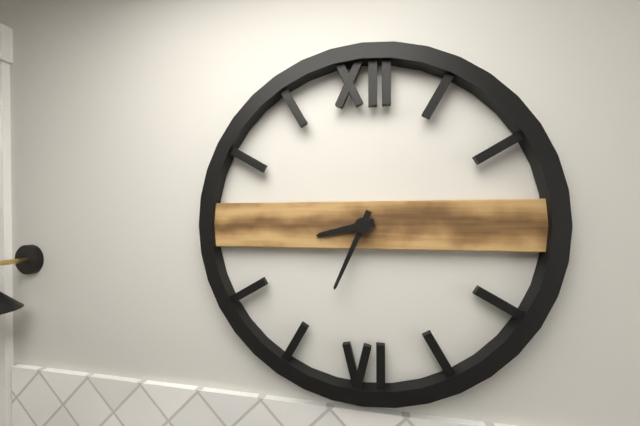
8:34
